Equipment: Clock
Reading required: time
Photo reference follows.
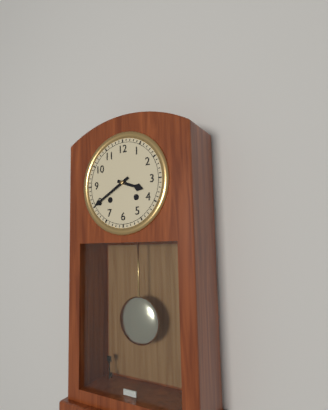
3:40
